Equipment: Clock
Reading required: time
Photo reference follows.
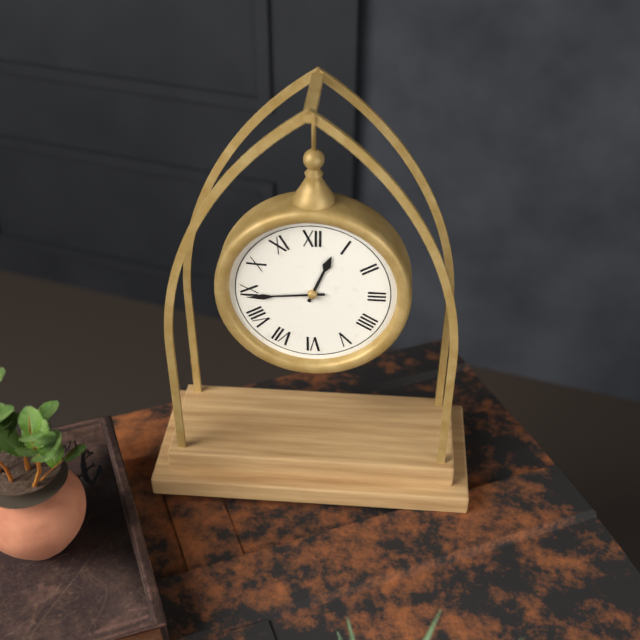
12:44
